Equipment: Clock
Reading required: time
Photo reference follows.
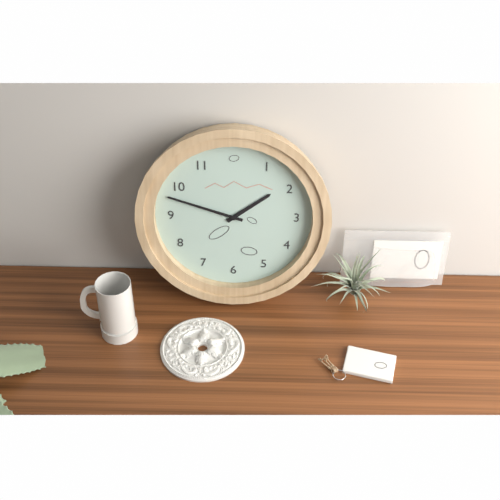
1:48
